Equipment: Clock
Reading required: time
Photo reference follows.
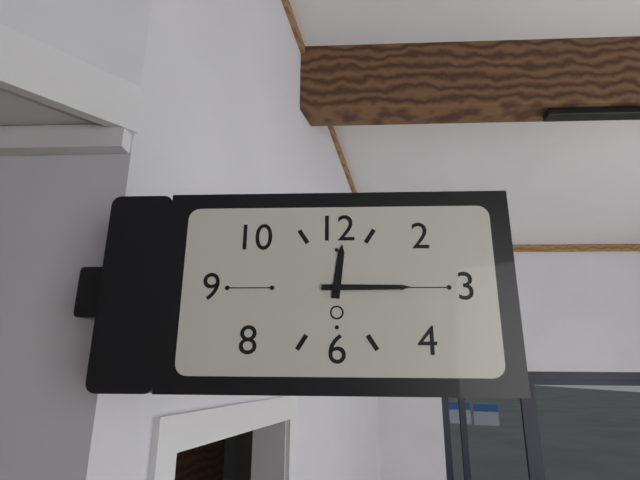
12:15
